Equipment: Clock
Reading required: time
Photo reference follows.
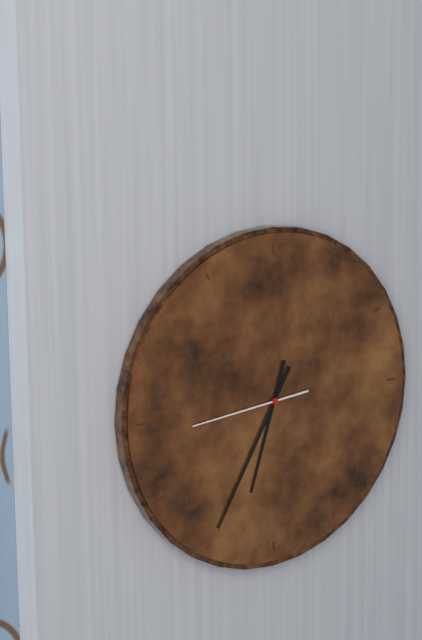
6:35:44
